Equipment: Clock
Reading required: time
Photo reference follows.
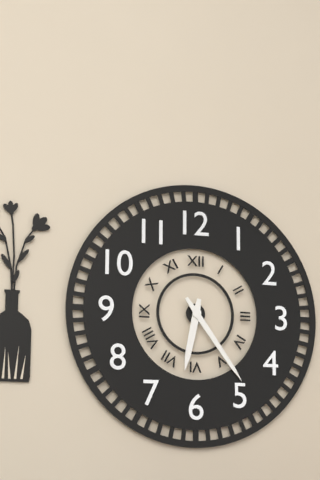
6:24
